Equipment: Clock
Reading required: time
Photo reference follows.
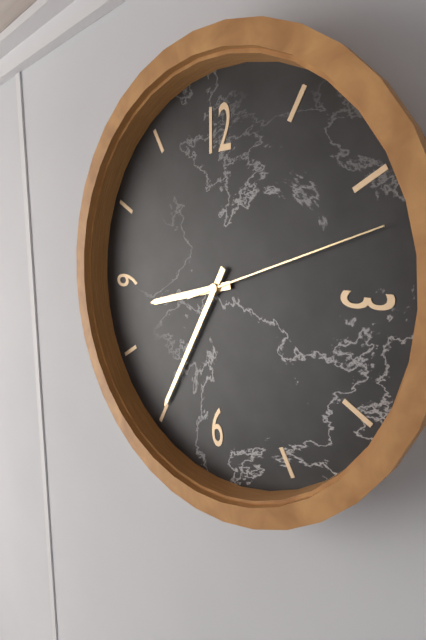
8:35:12
